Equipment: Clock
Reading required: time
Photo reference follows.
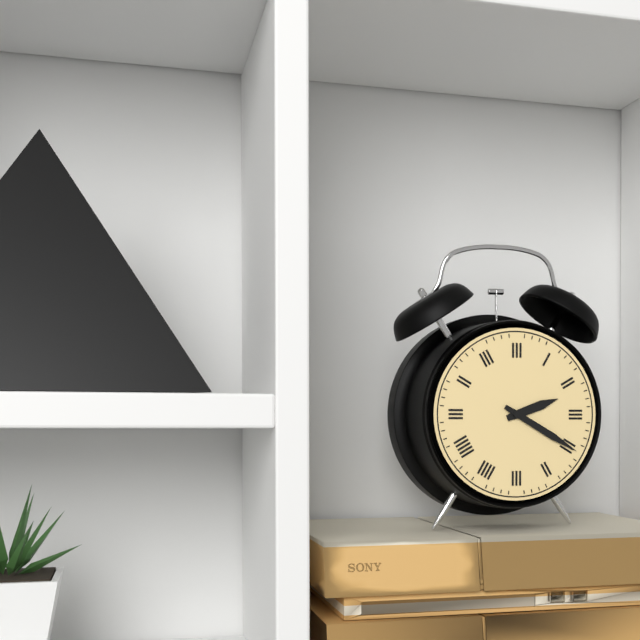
2:20
